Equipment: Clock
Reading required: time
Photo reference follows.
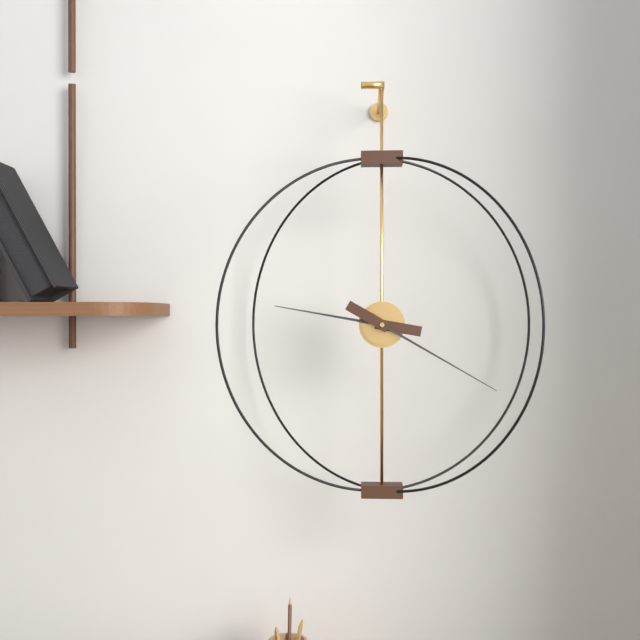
9:20
